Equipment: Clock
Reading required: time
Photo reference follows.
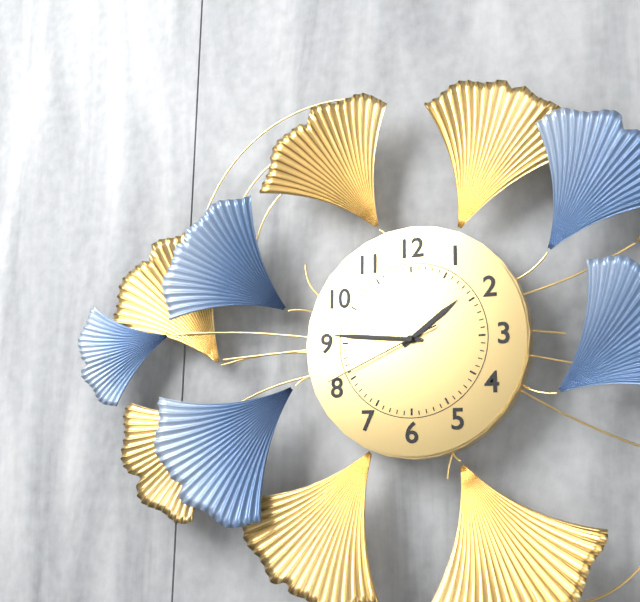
1:46:41
